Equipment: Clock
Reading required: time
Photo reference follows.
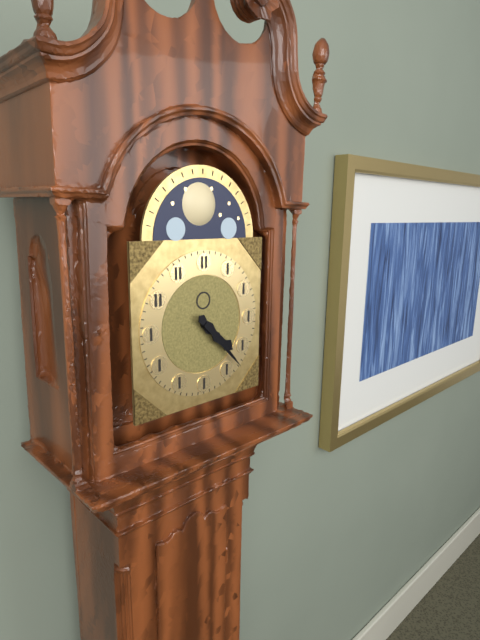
4:23
